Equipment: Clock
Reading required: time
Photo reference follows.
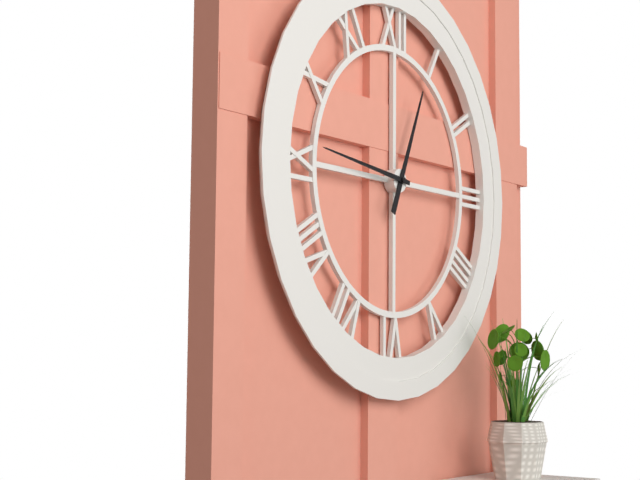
12:46
